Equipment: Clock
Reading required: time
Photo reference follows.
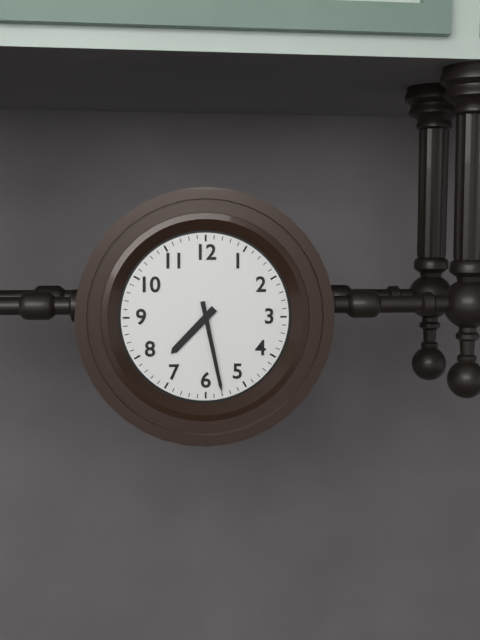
7:28
